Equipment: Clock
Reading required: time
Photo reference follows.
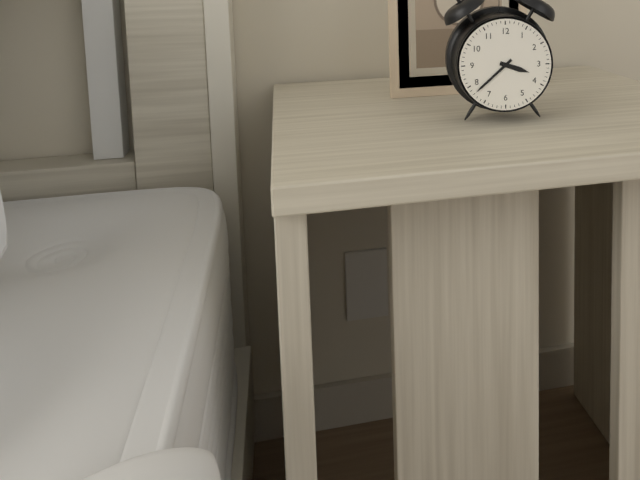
3:38
